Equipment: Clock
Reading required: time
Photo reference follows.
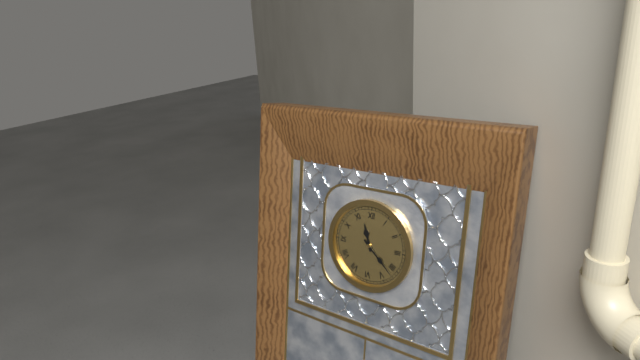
11:22
